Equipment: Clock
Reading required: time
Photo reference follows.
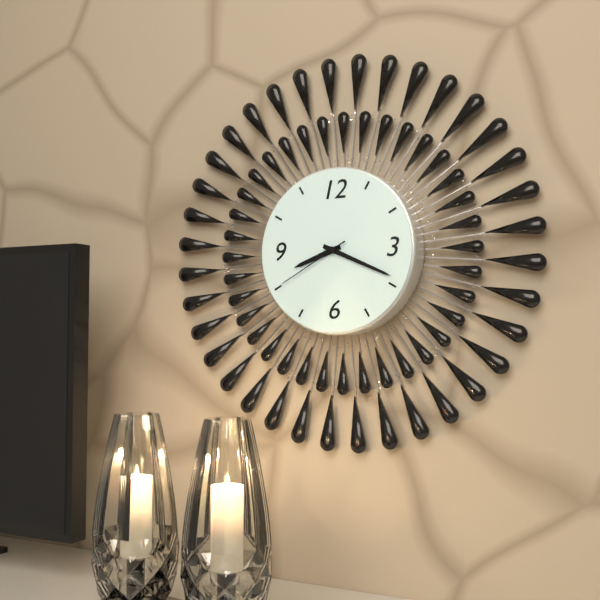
8:19:40
